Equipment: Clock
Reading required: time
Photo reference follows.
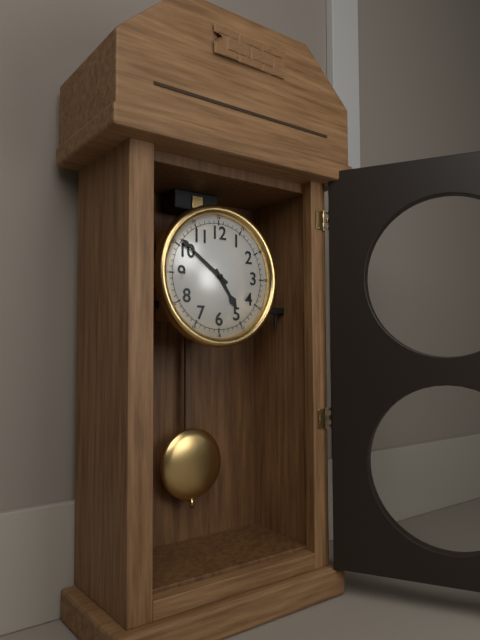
4:51
